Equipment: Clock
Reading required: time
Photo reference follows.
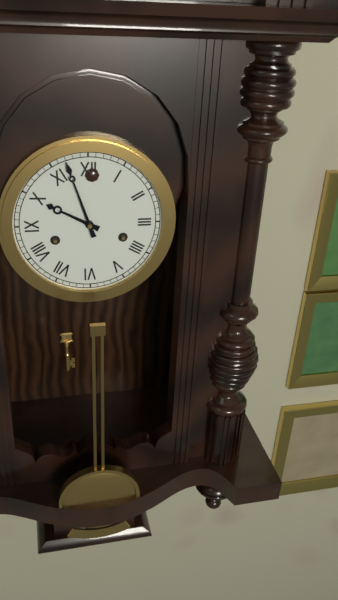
9:57
